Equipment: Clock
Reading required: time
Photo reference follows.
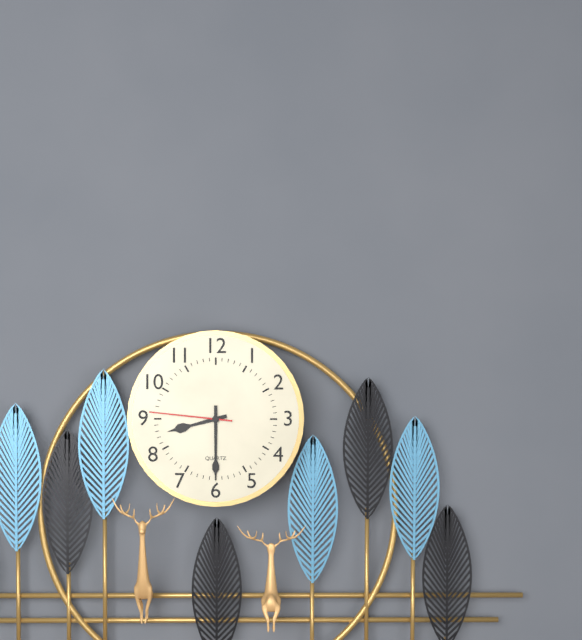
8:30:46
